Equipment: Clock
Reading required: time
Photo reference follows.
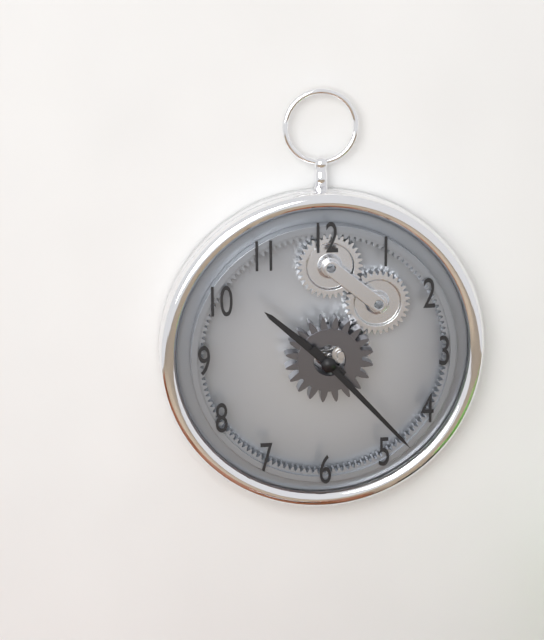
10:23
